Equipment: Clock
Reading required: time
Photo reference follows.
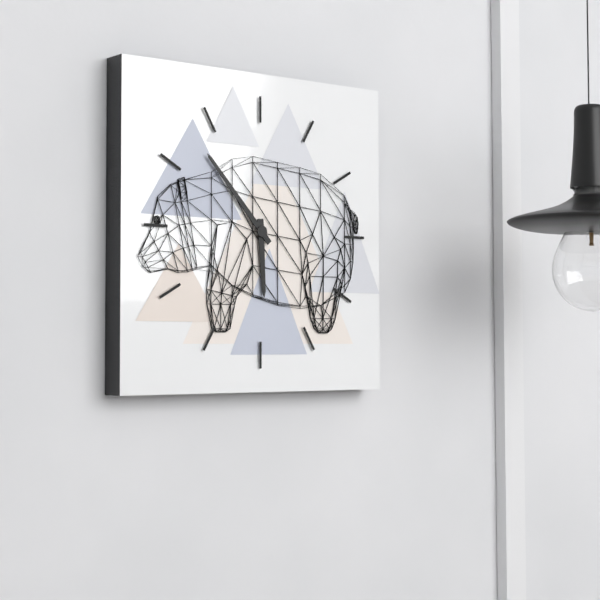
5:53
